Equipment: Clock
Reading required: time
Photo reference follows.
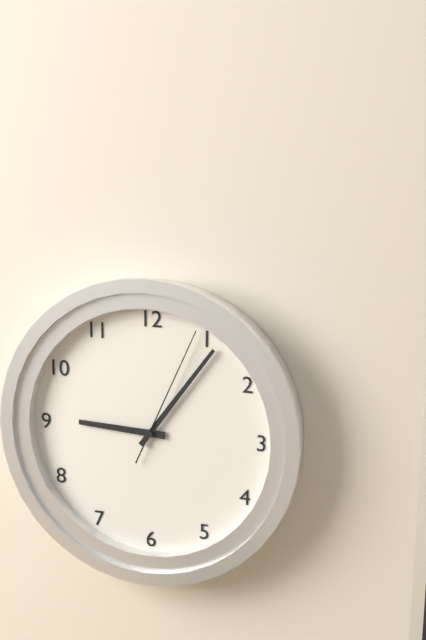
9:06:04
